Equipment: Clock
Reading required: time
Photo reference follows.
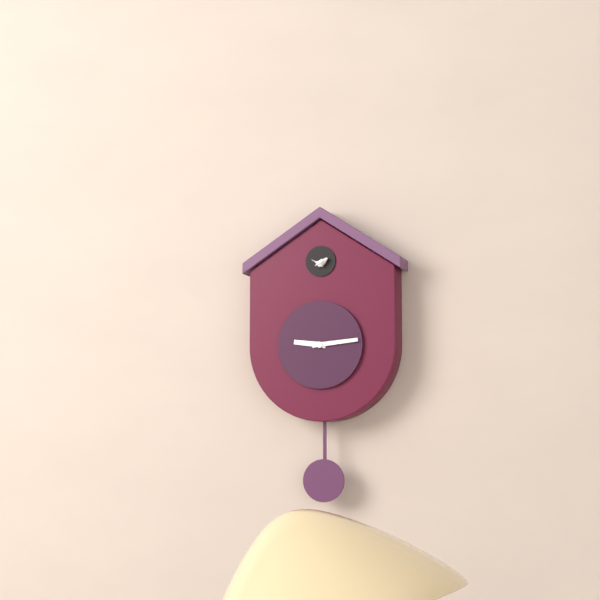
9:14
